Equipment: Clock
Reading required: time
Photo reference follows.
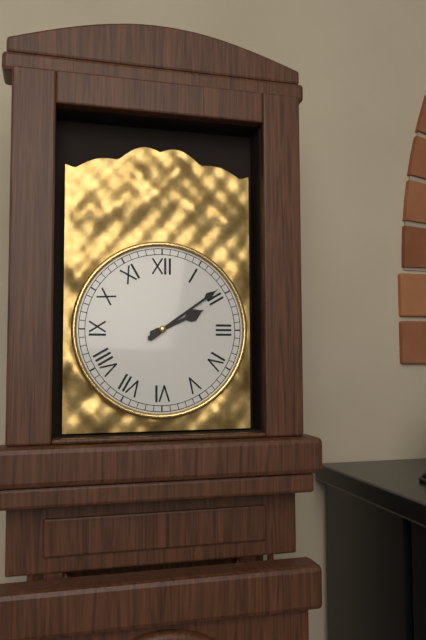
2:09
